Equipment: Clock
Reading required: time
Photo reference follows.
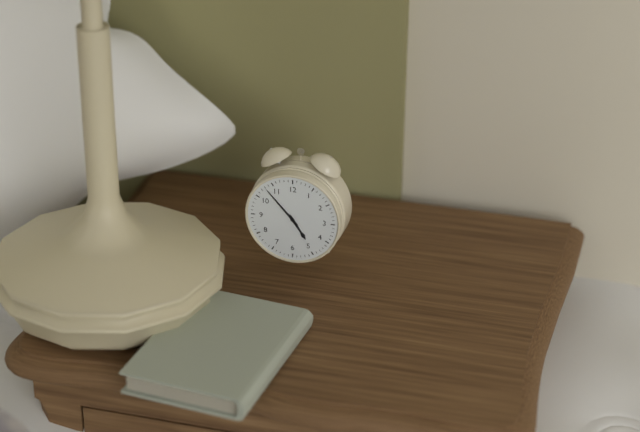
4:53
